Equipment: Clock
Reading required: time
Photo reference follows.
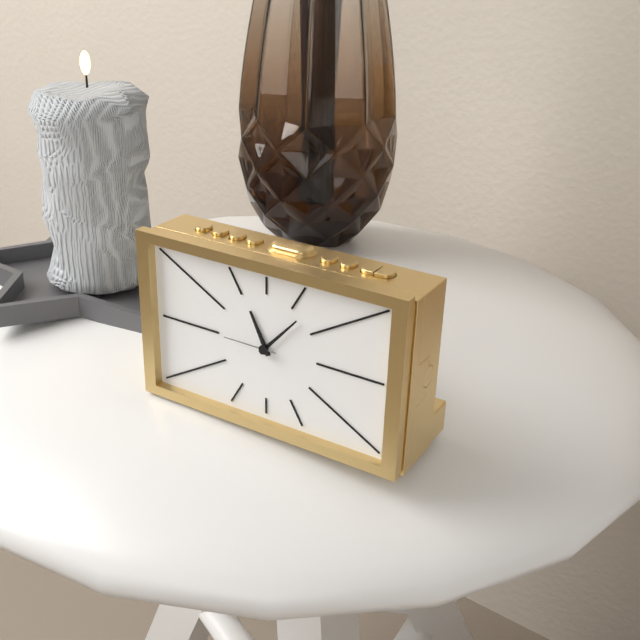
11:07:45
